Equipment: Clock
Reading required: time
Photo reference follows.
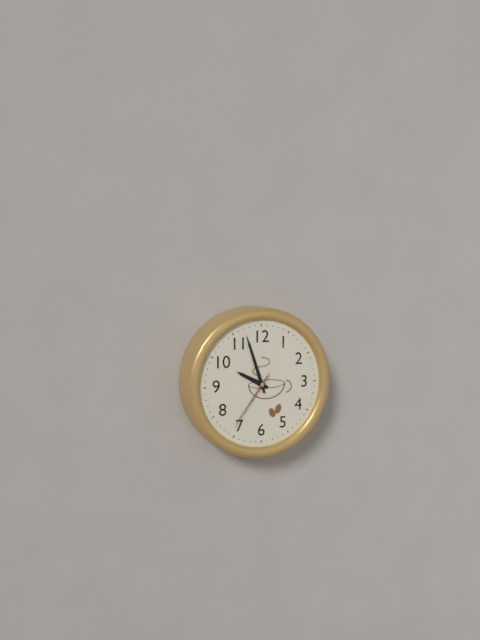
9:57:36
